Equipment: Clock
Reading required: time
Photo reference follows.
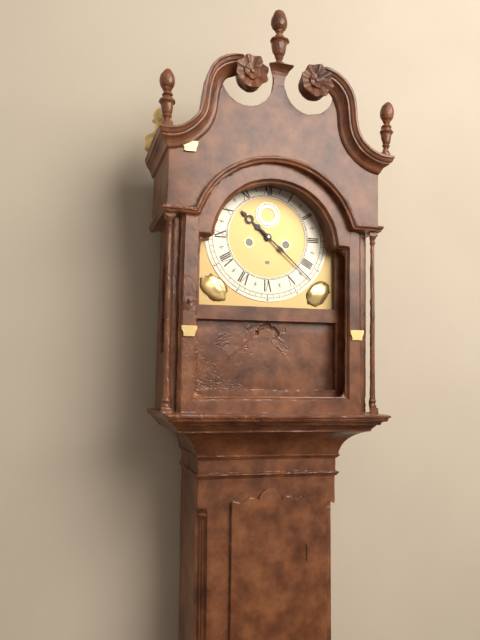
10:22
